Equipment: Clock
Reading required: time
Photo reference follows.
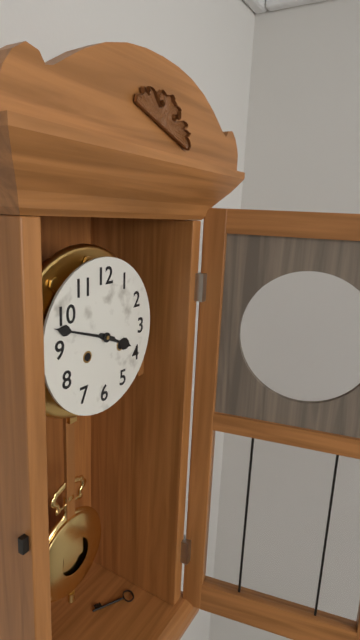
3:48
